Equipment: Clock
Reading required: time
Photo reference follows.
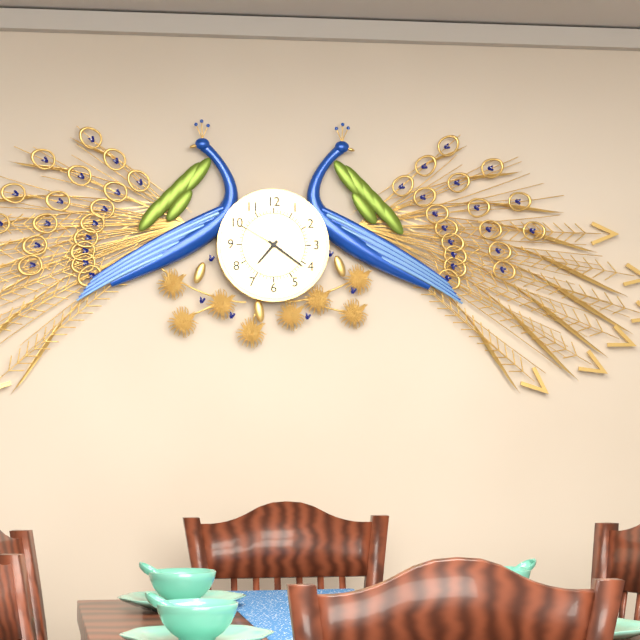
7:21:50
